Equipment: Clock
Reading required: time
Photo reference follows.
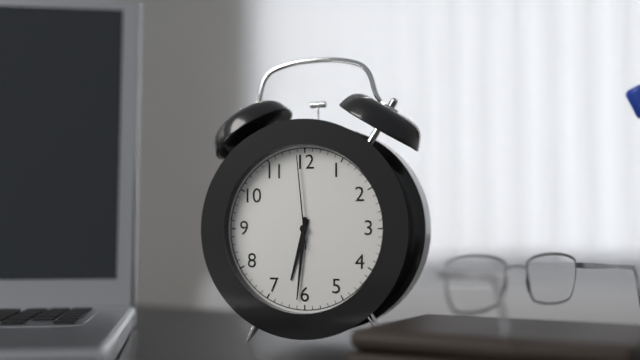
6:31:59
